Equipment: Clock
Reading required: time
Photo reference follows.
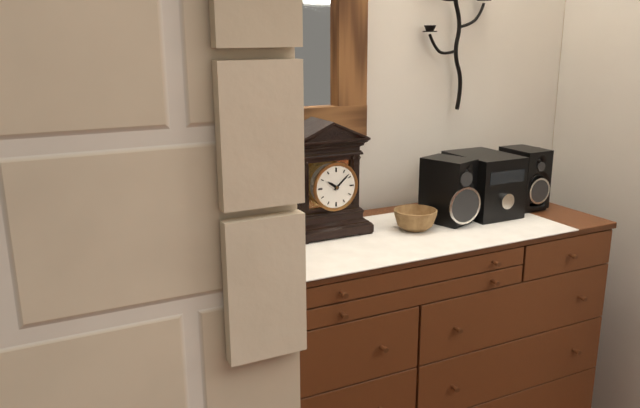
10:08
